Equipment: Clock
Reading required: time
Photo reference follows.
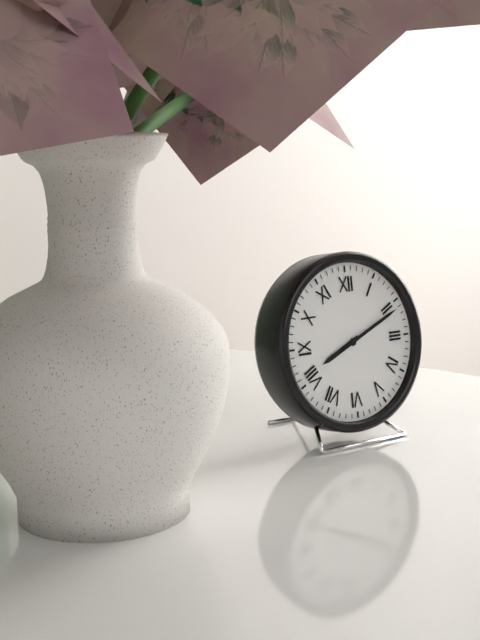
8:11
